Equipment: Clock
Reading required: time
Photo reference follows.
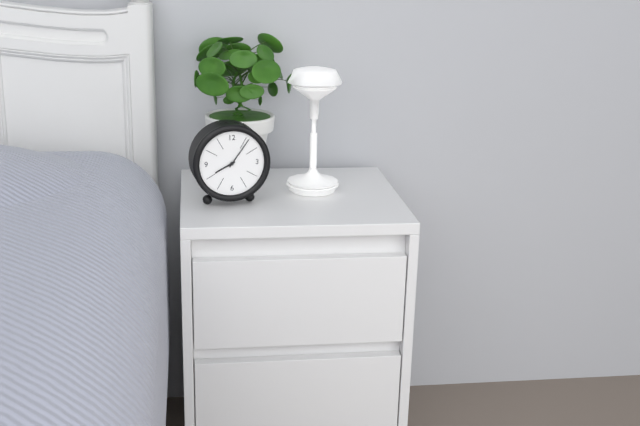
8:06
